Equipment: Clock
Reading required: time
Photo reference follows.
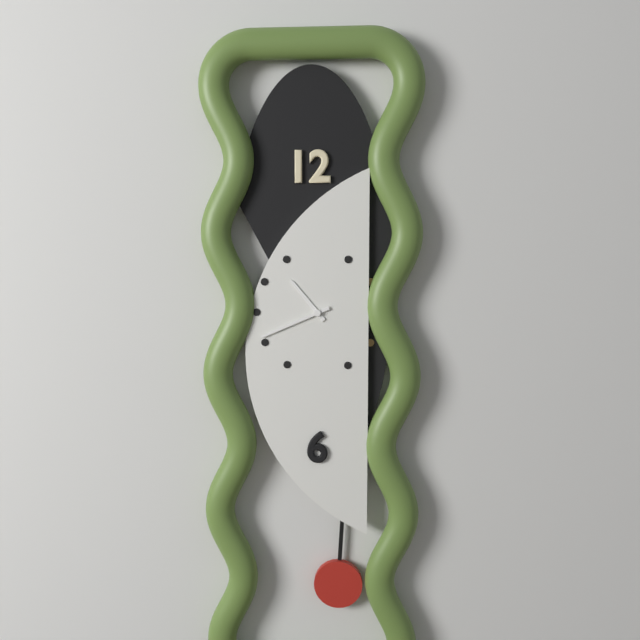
10:41
